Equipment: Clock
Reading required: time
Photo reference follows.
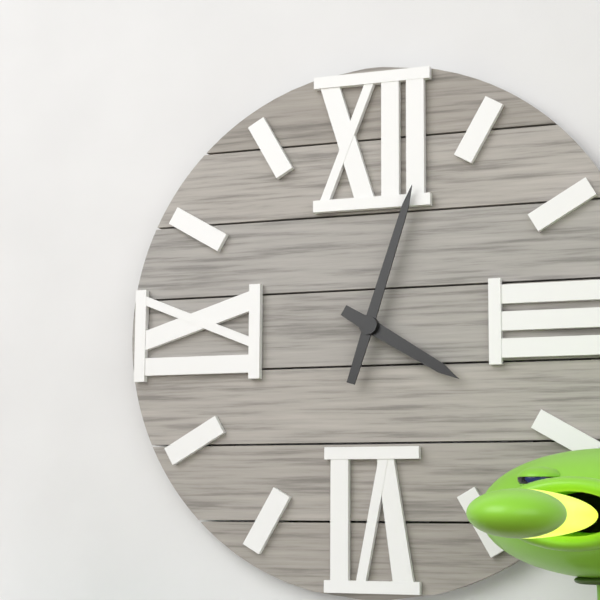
4:03
